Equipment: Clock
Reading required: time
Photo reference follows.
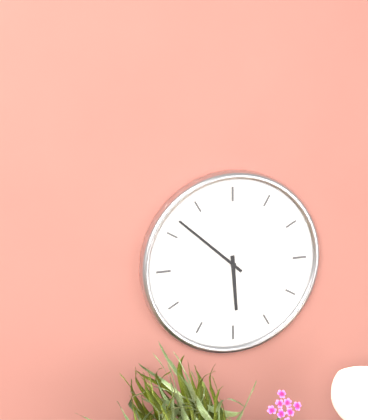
5:52
